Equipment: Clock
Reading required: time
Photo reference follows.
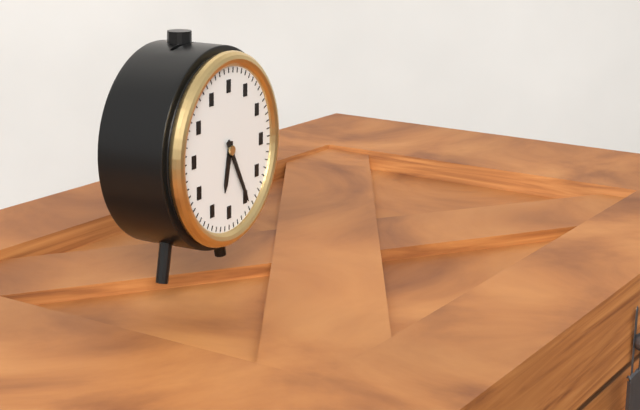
6:25
